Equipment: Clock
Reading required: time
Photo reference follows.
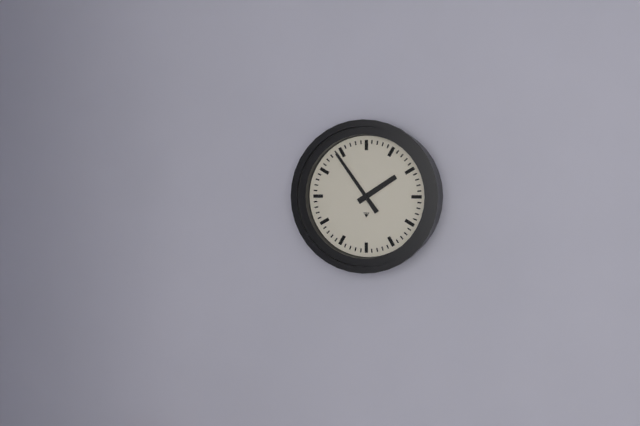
1:54
